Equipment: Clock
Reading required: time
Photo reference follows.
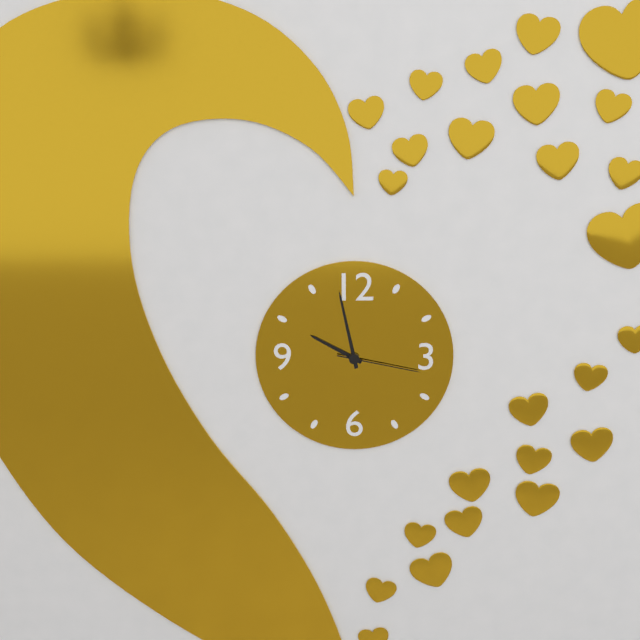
9:58:17
